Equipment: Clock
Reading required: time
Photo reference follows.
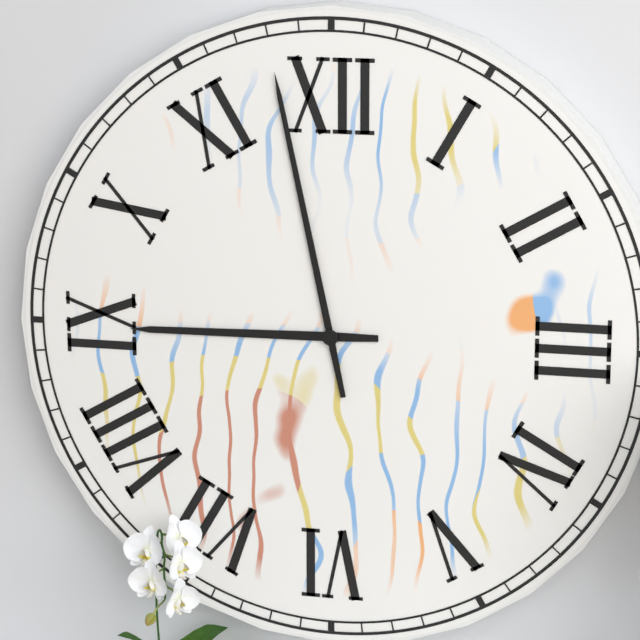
8:58
